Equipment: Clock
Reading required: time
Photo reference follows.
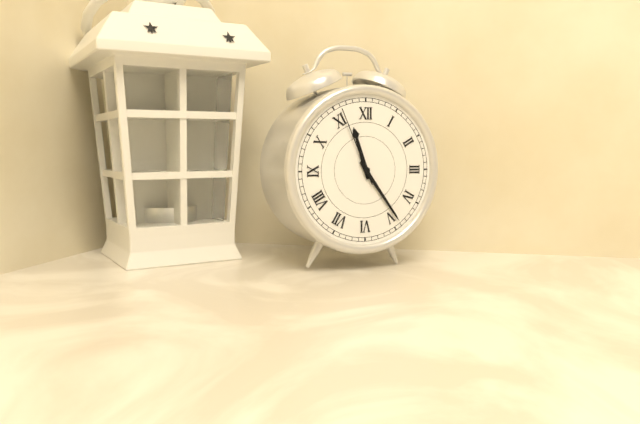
11:24:56
